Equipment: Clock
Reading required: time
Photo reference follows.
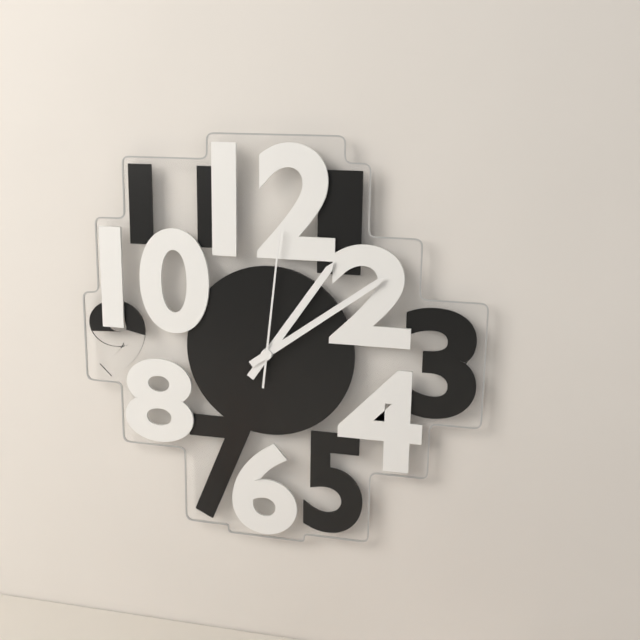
1:09:01
